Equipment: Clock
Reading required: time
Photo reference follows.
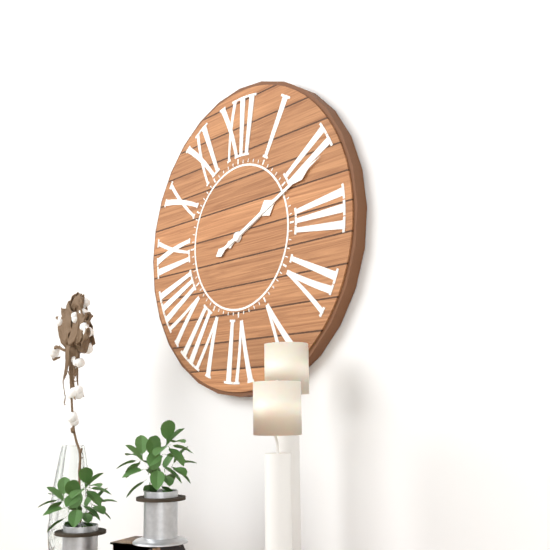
2:11
